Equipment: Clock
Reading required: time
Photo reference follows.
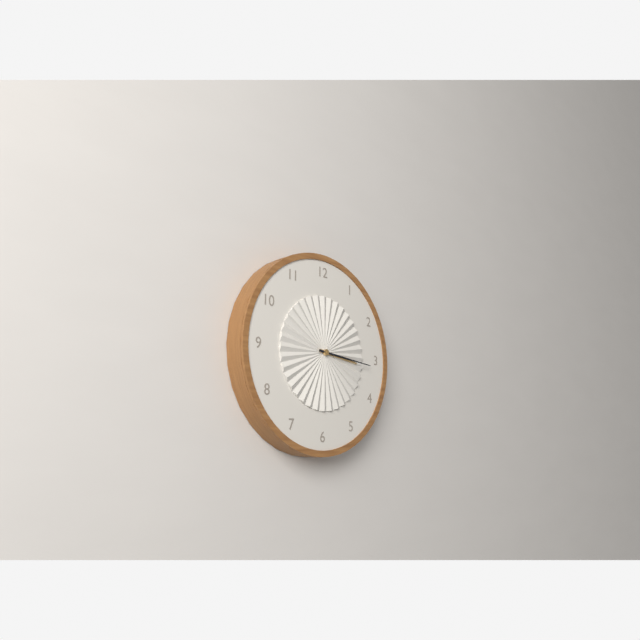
3:16
